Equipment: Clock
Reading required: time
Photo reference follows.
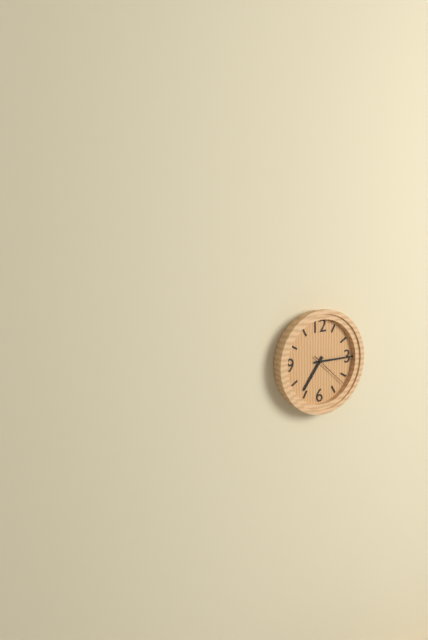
7:15
